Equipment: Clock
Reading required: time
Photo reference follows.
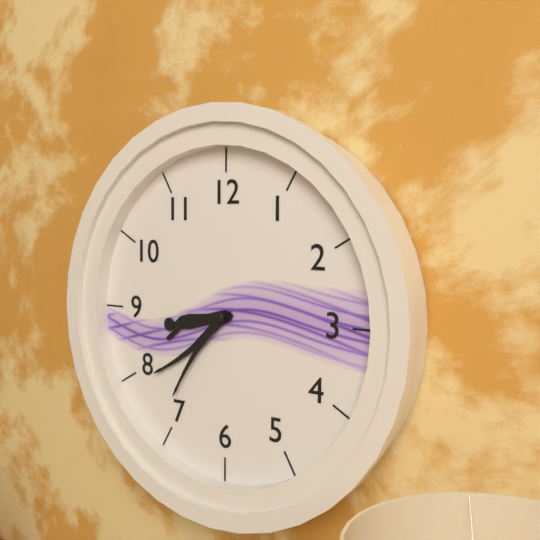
8:39:36
